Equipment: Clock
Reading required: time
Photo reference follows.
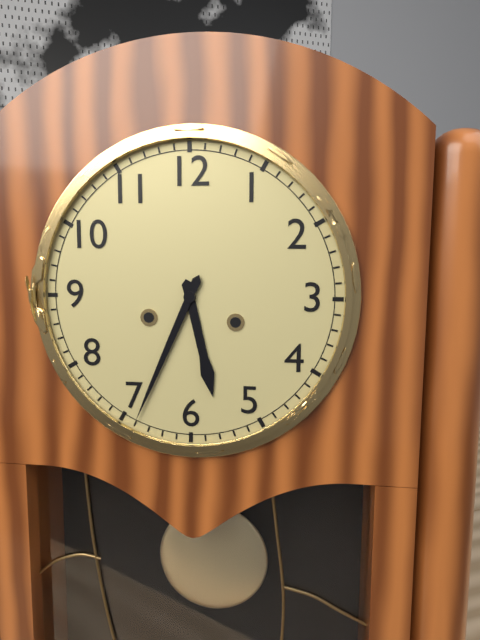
5:34
